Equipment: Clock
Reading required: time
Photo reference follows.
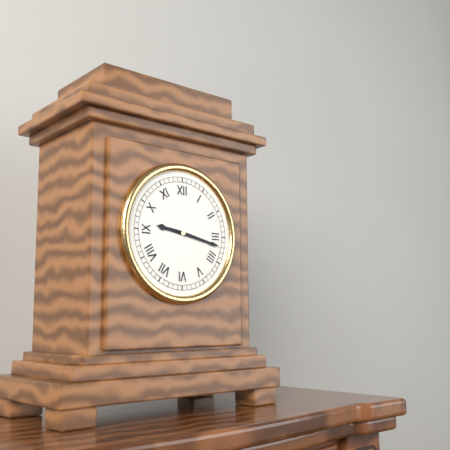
9:17
